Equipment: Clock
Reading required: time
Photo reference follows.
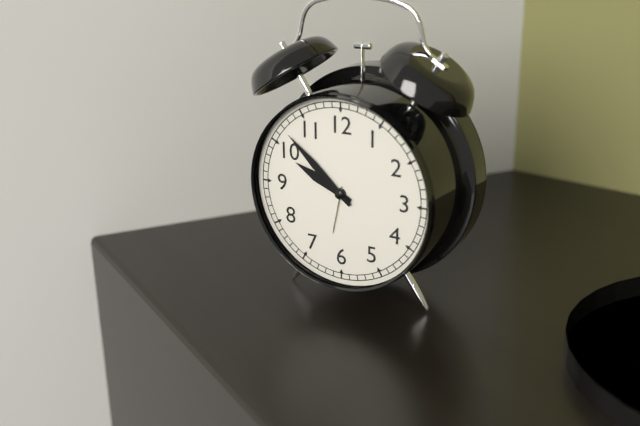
9:52
